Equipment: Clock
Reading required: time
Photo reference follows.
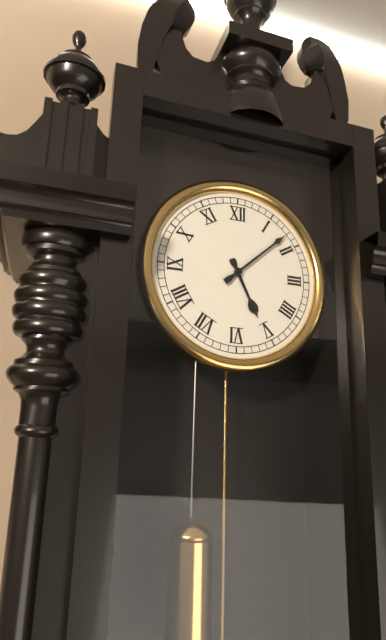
5:08
